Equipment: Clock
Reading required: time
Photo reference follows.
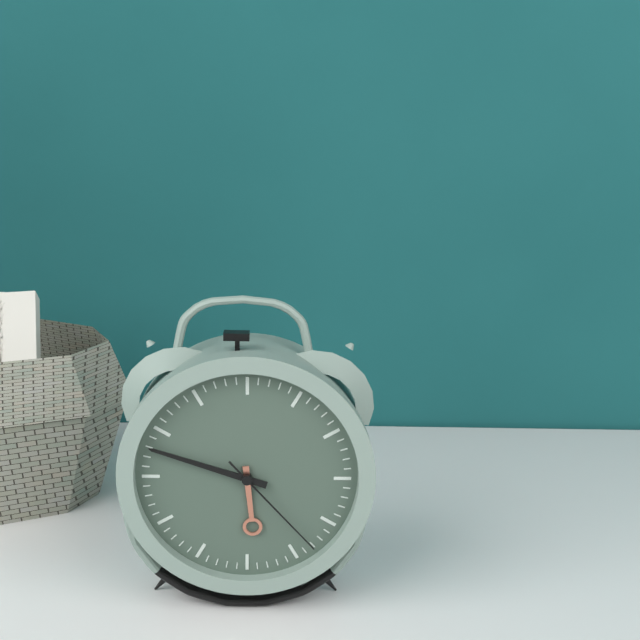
5:48:23
